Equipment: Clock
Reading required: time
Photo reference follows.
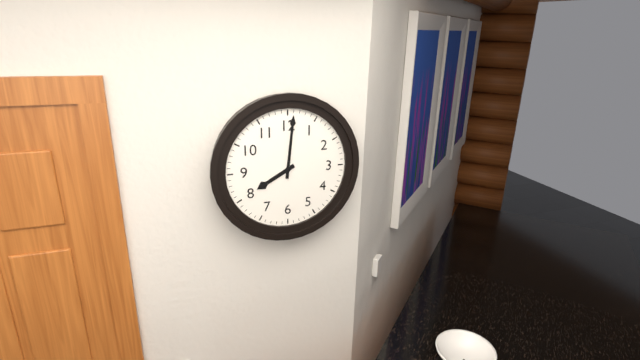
8:01
